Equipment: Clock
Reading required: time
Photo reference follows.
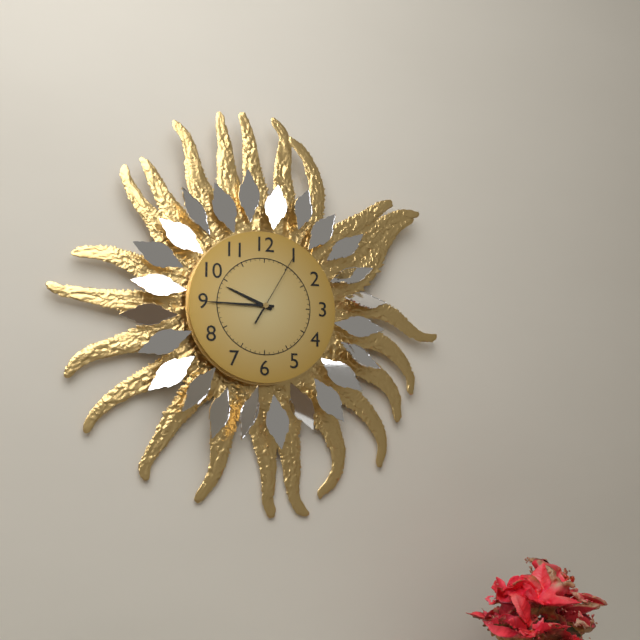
9:45:05
